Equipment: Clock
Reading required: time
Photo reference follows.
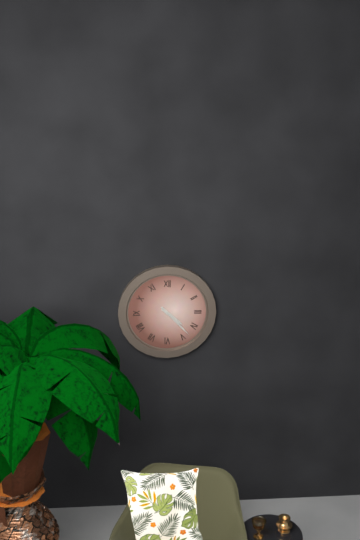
4:23
